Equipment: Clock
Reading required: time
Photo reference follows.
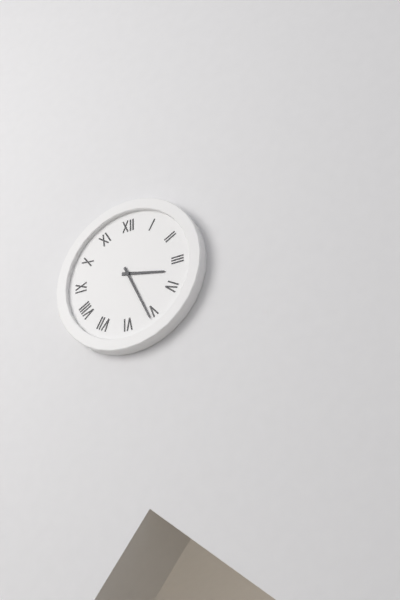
3:26
